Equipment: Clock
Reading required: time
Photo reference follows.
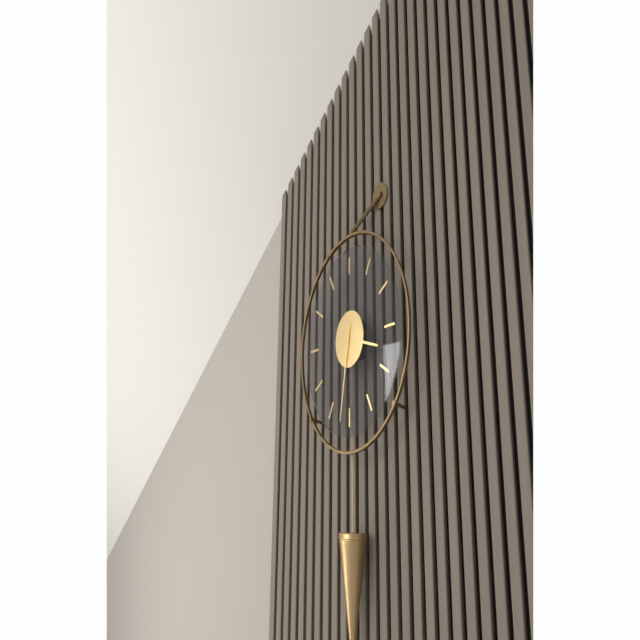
3:32
